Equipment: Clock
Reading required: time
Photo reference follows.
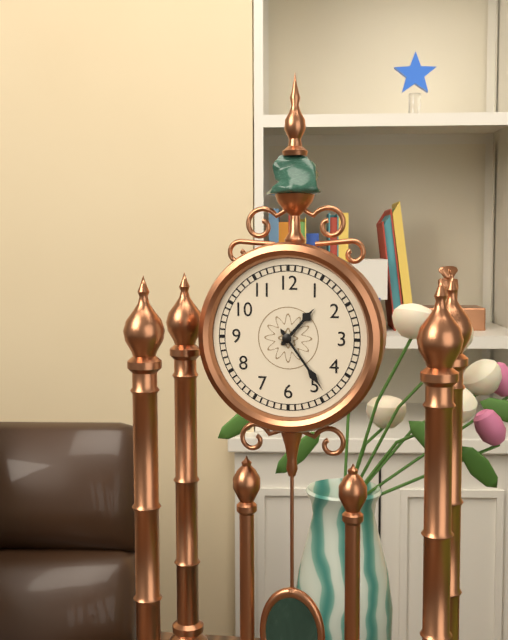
1:24
